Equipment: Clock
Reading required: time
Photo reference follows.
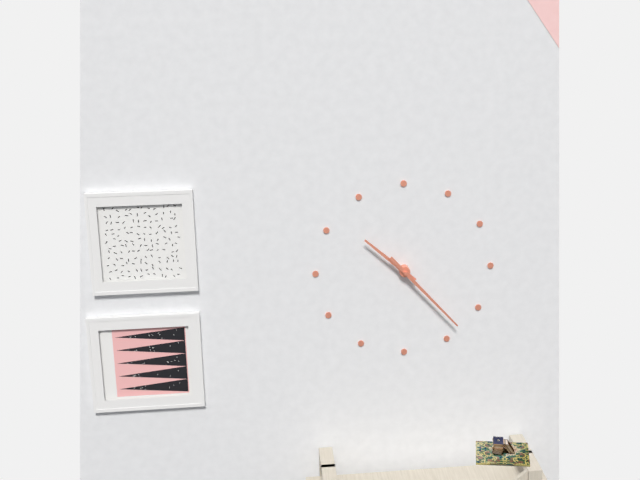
10:23
